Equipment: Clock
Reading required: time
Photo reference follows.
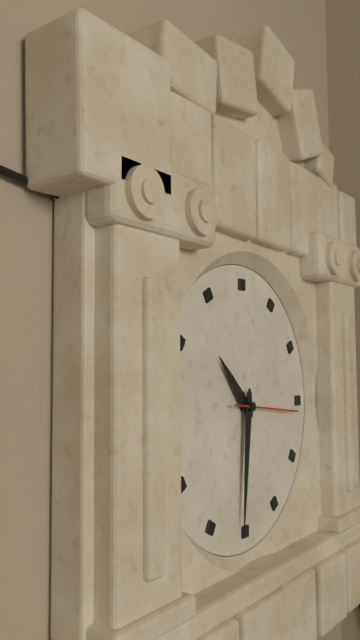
10:31:16
